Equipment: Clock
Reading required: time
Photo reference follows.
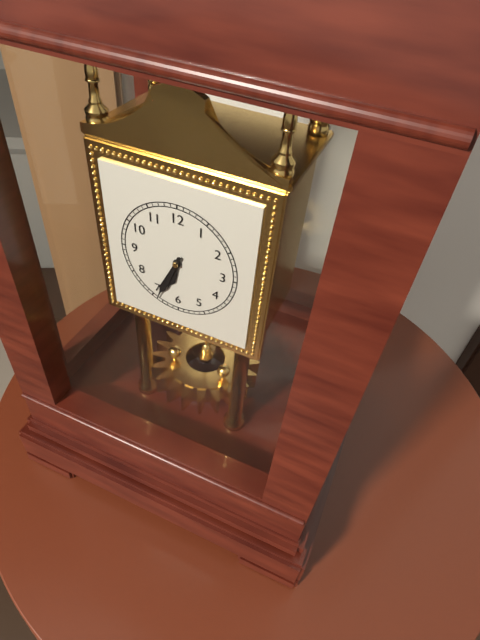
6:34
